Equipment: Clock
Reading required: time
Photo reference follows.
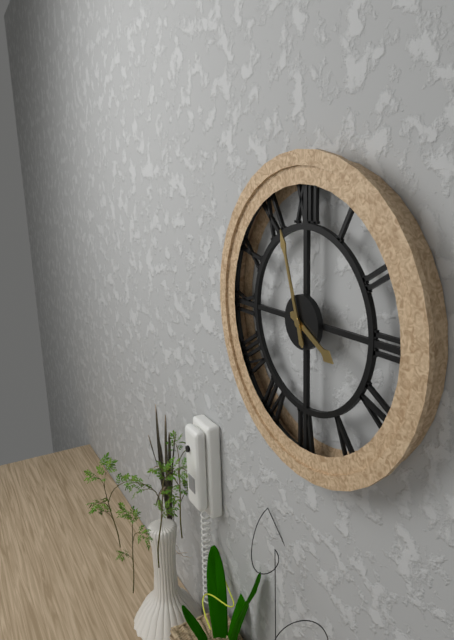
3:57
